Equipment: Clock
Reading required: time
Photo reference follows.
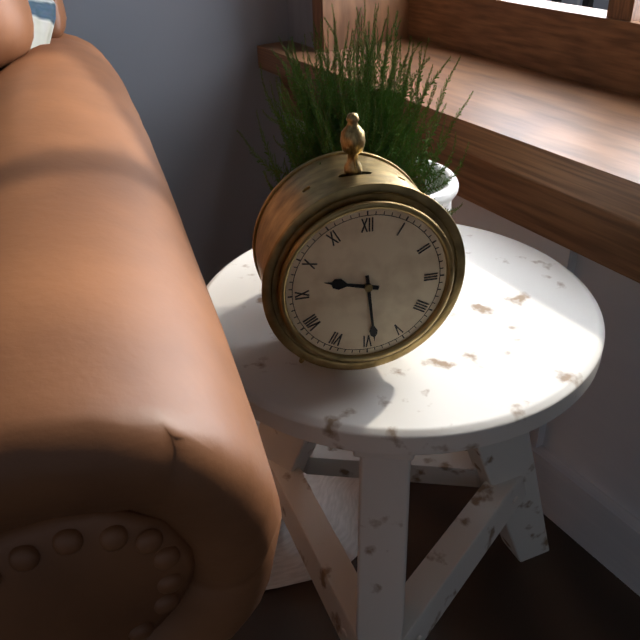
9:29
